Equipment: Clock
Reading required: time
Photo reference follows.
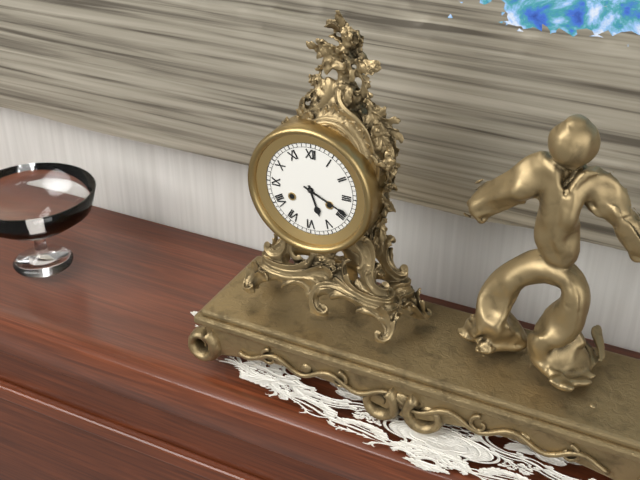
5:19
